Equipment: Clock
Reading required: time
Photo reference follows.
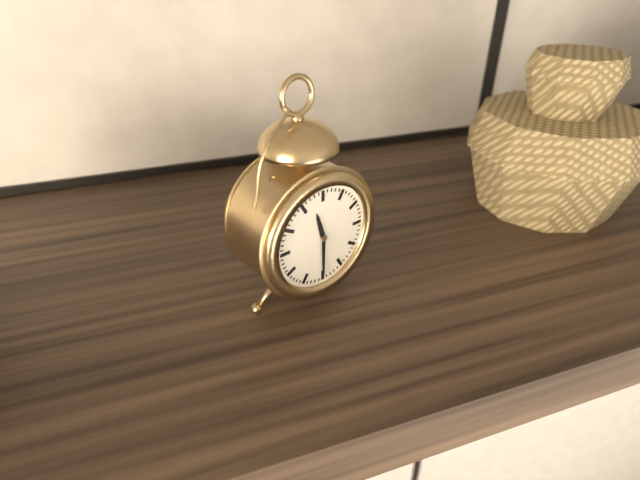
11:30
